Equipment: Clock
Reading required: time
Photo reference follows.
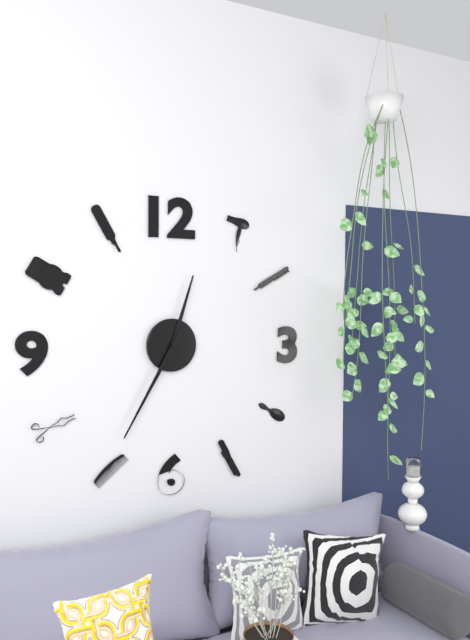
12:35
